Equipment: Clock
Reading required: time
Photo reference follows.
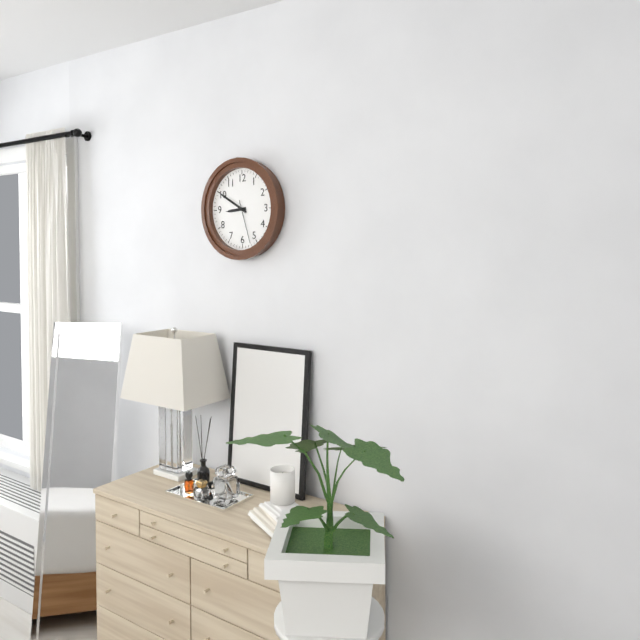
8:50
